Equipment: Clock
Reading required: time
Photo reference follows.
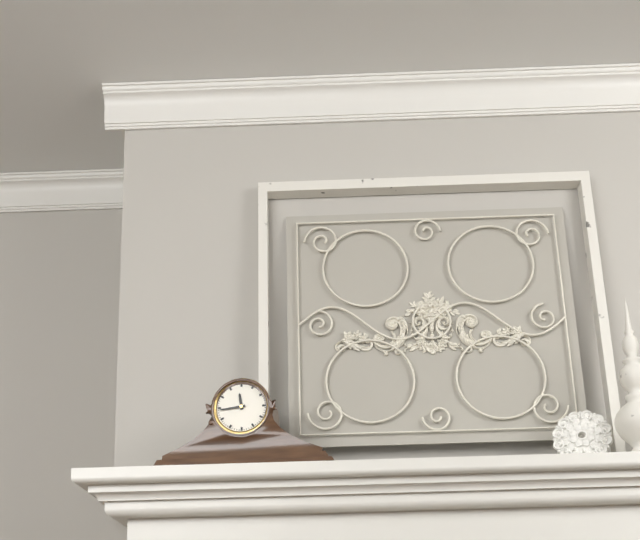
11:44
